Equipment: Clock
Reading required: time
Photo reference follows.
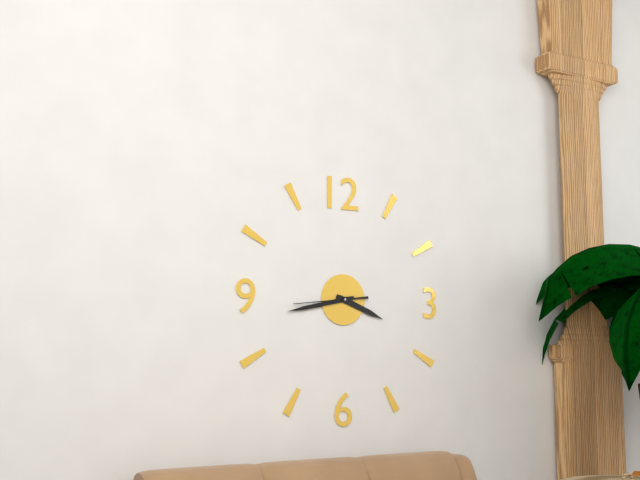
3:43:44
